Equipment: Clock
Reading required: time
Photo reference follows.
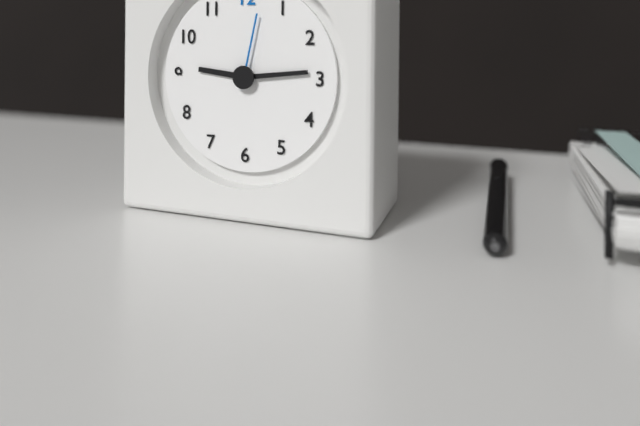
9:14:02
